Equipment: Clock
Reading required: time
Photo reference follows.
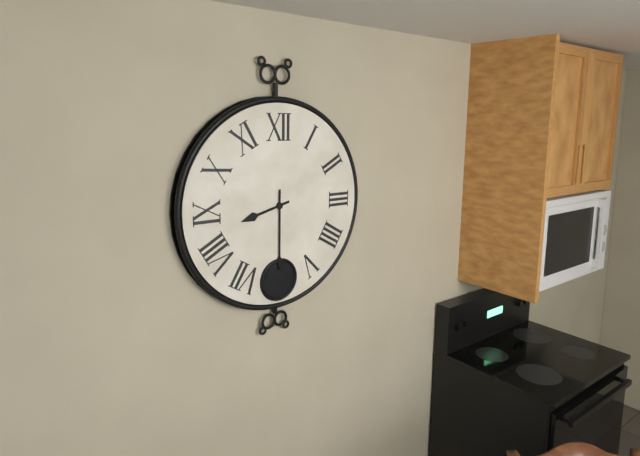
8:30
